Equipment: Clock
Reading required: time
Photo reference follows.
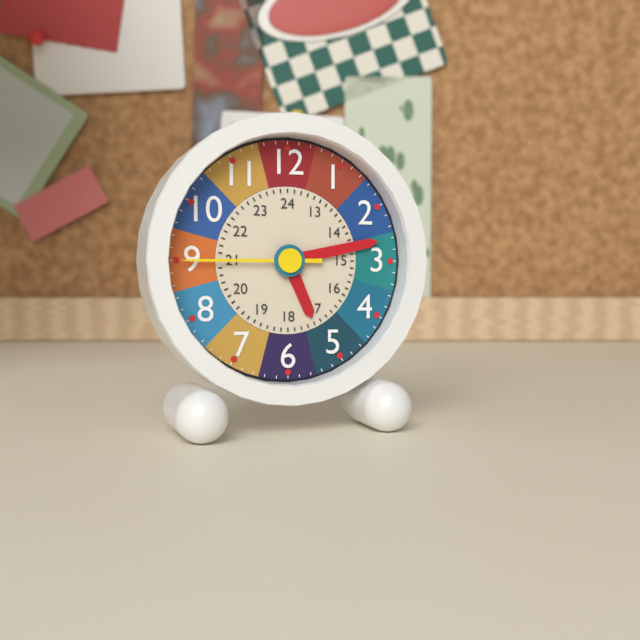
5:13:45
